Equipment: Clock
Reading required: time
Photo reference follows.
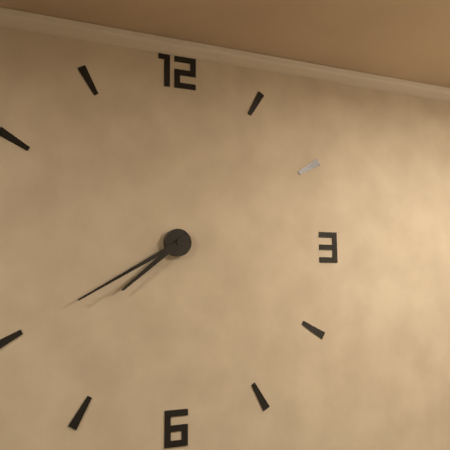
7:40
